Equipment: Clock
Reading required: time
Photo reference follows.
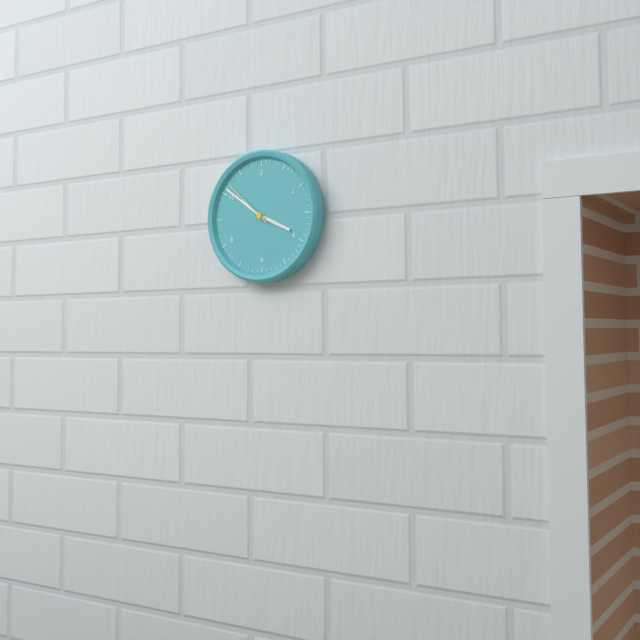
3:51:52
